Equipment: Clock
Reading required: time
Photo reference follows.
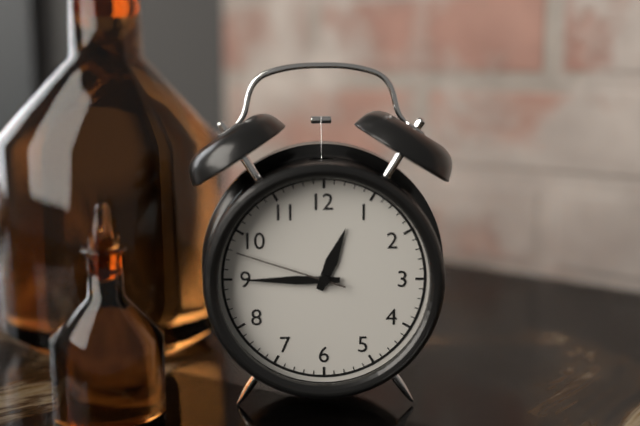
12:45:48
